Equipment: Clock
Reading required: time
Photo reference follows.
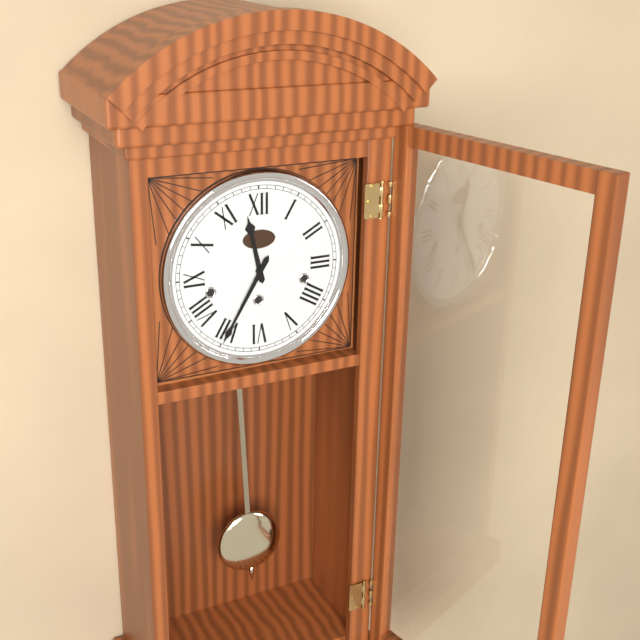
11:35
